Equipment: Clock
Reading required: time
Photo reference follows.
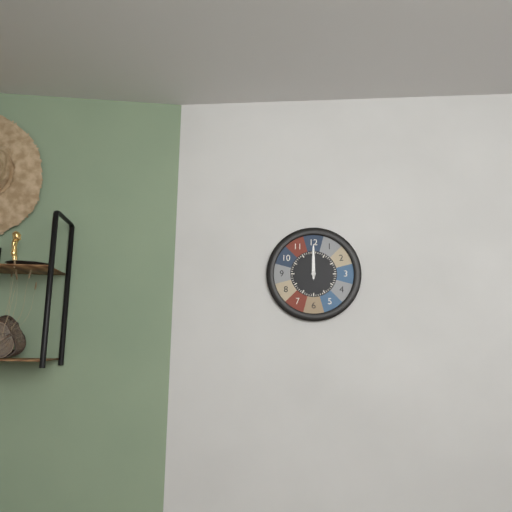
12:00
